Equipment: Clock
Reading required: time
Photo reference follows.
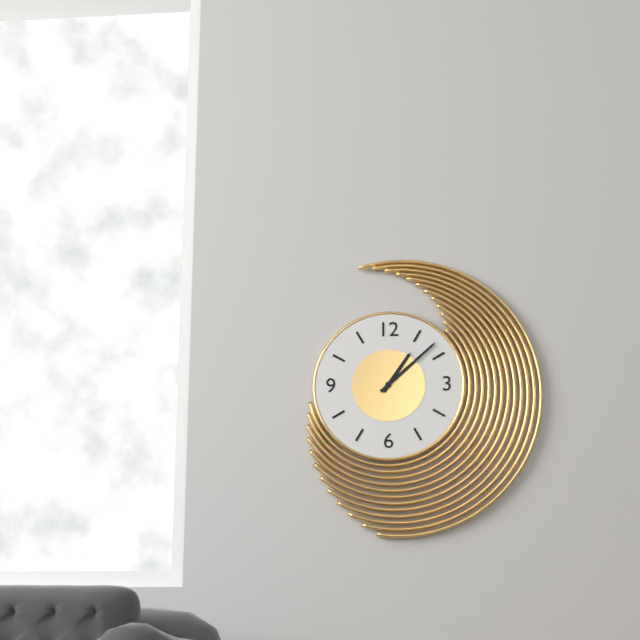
1:08
